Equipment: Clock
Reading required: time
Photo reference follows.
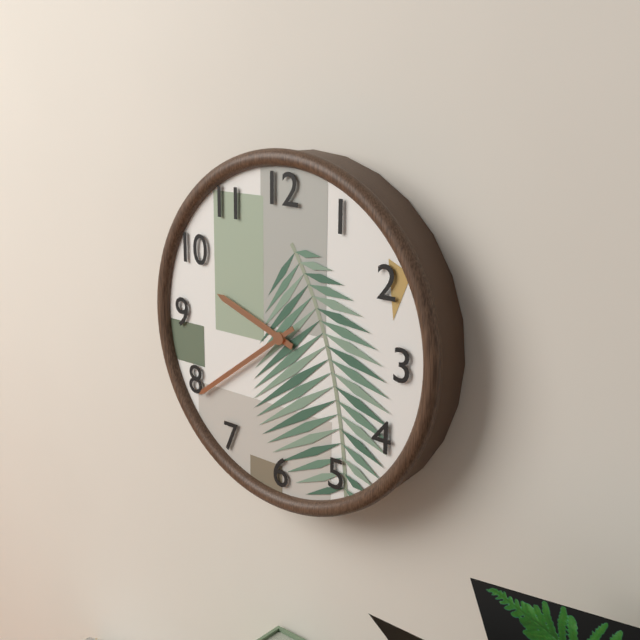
9:39
